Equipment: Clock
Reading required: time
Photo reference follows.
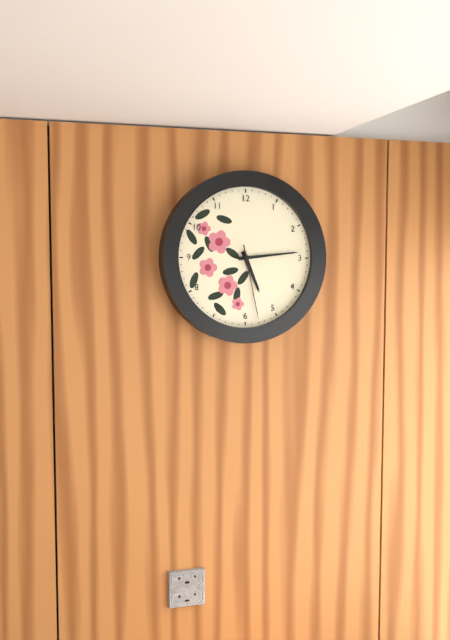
5:14:28
